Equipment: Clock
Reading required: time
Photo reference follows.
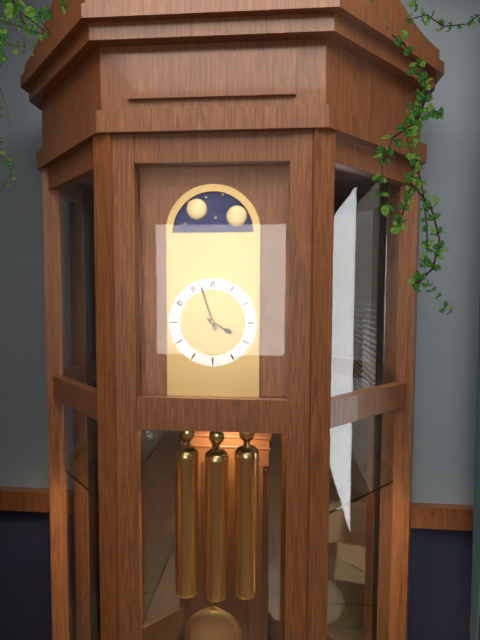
3:57
